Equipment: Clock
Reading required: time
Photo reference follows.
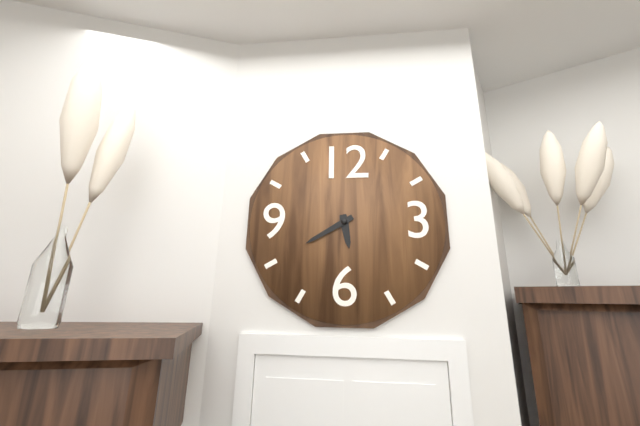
5:40
